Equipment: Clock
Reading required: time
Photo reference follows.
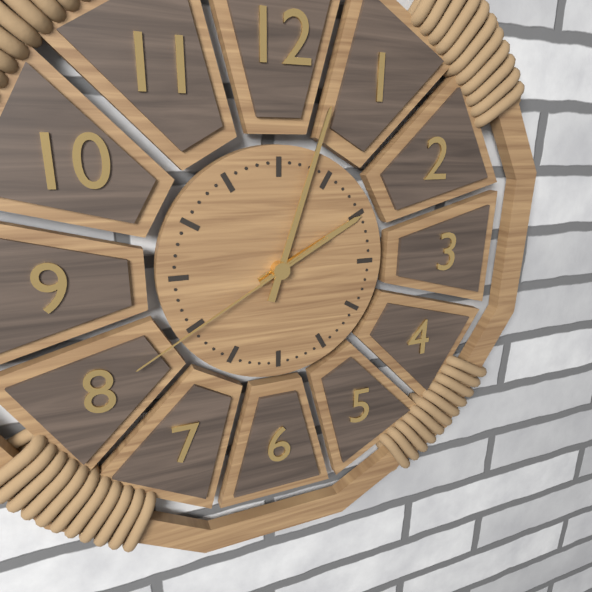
2:03:40
